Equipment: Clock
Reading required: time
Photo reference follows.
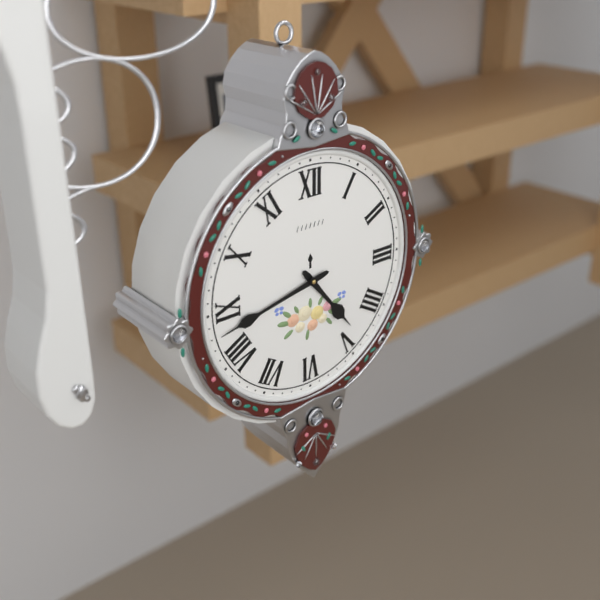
4:43
